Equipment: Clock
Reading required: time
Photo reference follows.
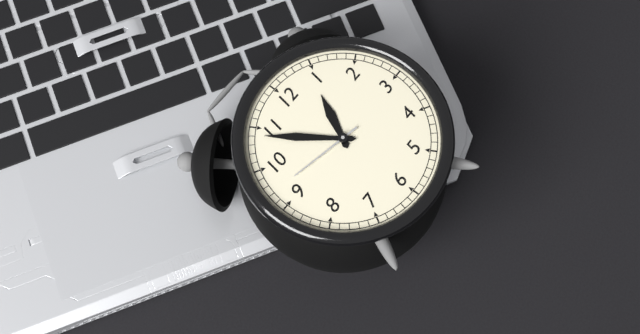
12:54:47
